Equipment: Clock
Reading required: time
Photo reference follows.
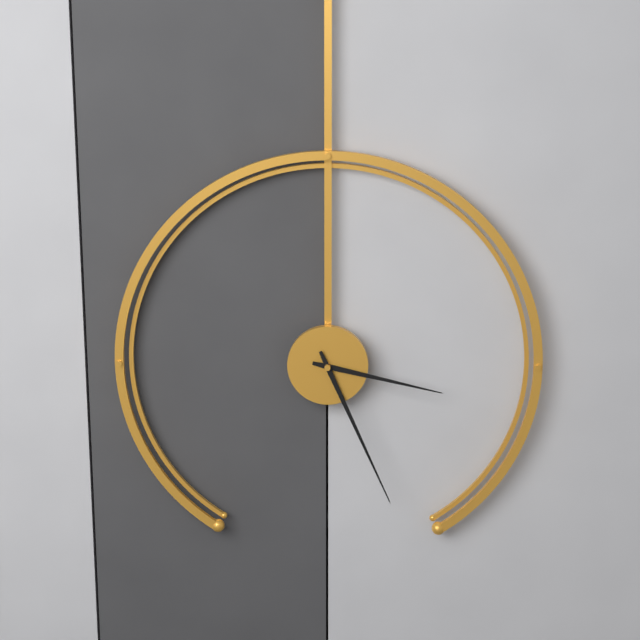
3:26
